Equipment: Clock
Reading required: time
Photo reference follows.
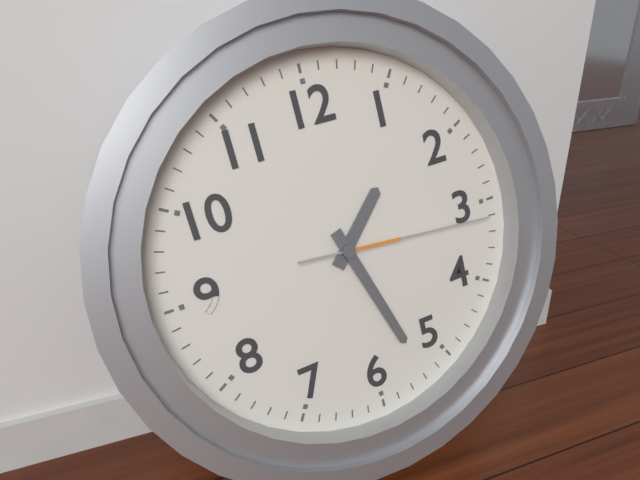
1:27:16
